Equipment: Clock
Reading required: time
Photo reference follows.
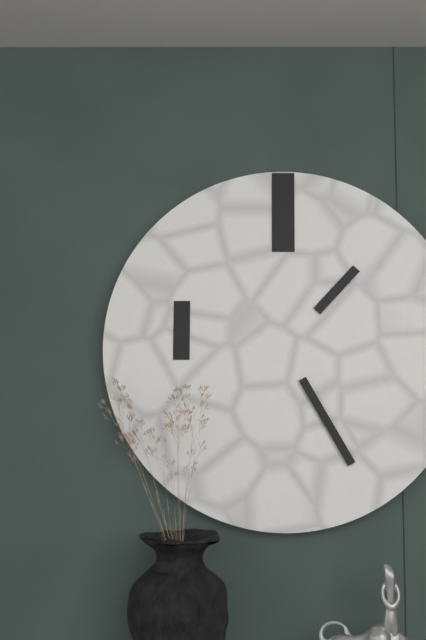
1:25
